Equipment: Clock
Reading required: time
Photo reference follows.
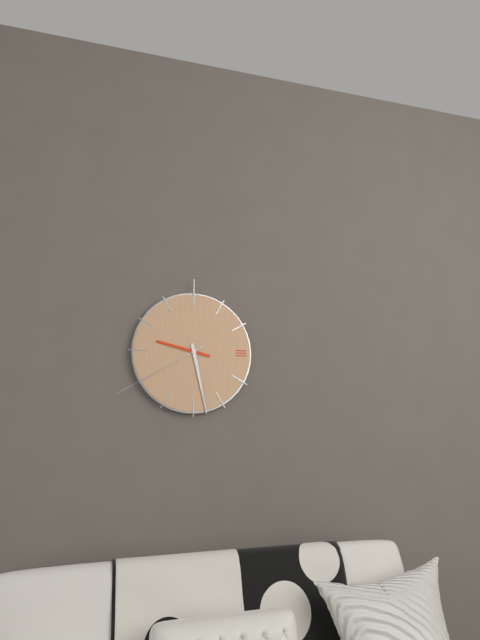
9:28:40
